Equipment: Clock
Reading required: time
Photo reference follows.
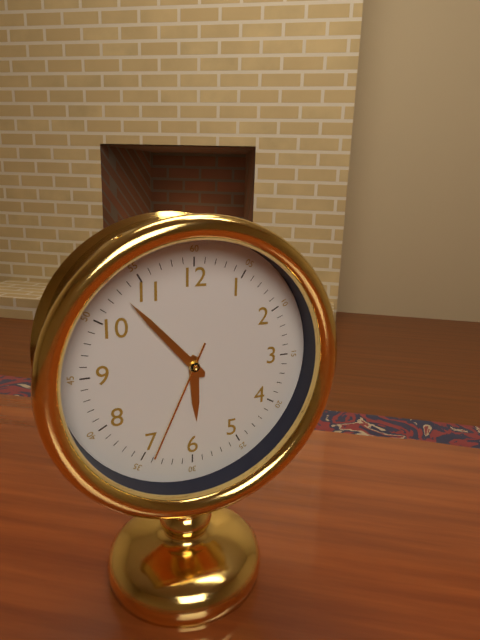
5:53:34
